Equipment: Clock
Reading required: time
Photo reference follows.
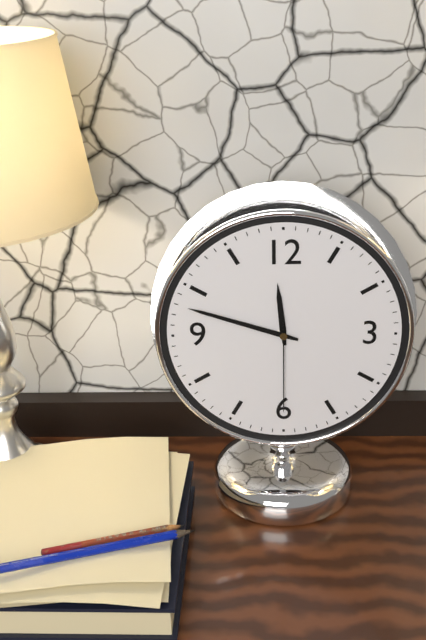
11:48:30
